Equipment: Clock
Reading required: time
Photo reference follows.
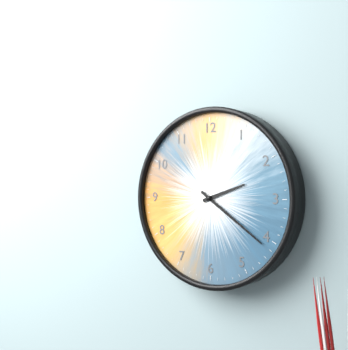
2:21
